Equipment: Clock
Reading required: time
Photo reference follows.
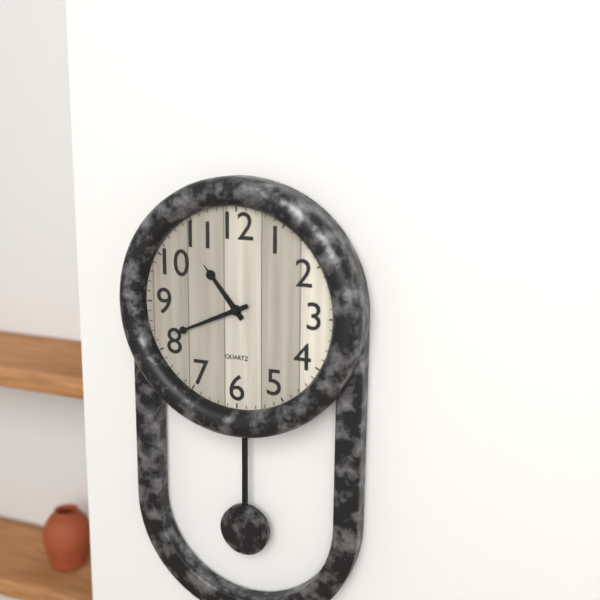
10:41
